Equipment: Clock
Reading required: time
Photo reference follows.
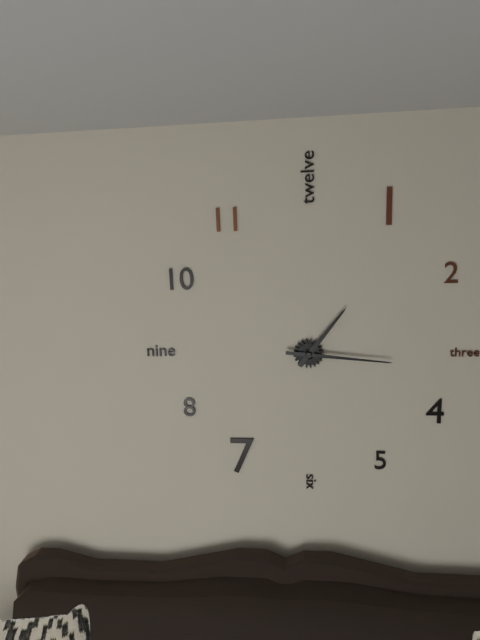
1:16
